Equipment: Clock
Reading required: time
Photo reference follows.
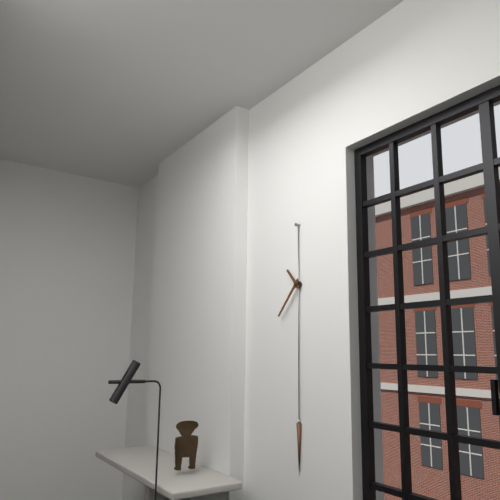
10:37
